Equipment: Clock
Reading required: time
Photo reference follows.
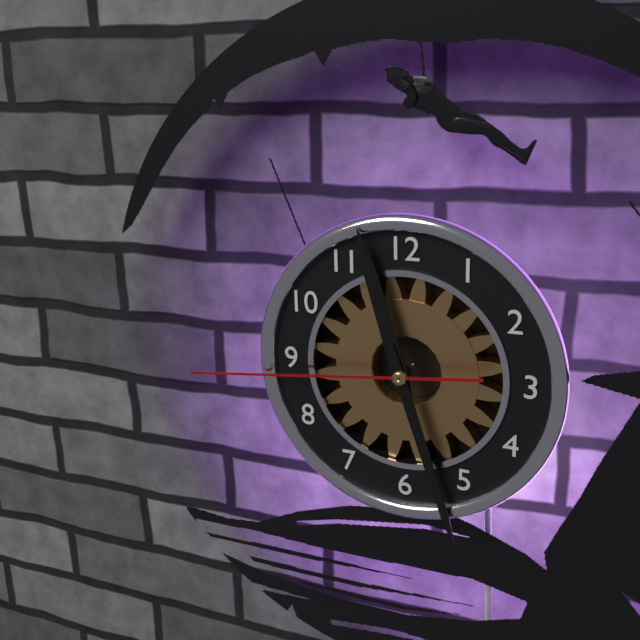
11:27:44
